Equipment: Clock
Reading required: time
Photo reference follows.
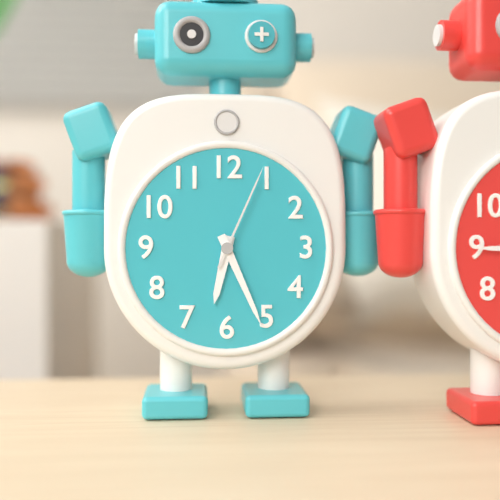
6:26:04
